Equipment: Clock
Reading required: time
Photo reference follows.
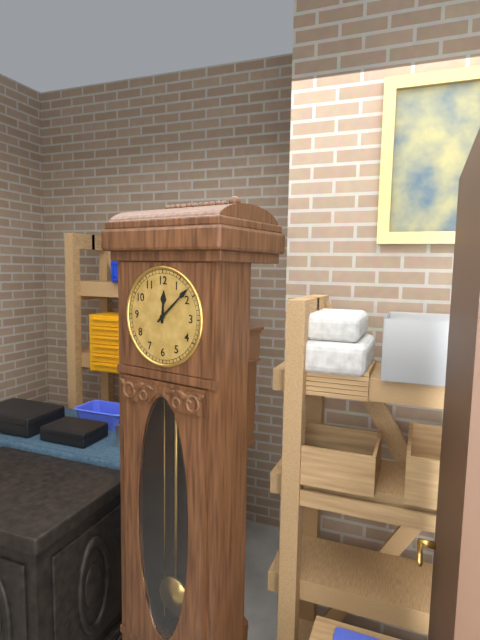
12:08
